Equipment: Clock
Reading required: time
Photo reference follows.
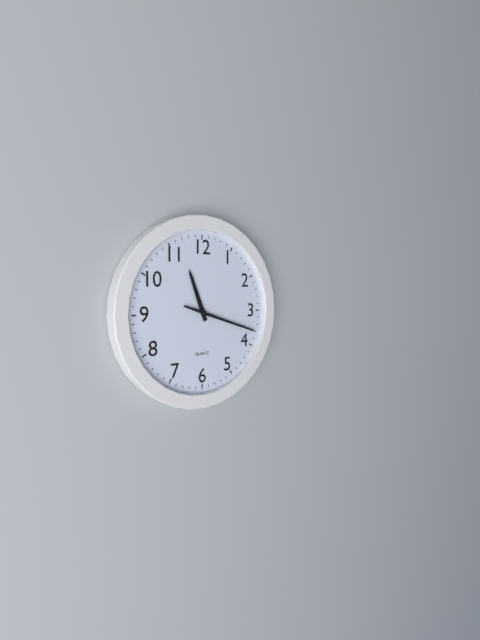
11:18
